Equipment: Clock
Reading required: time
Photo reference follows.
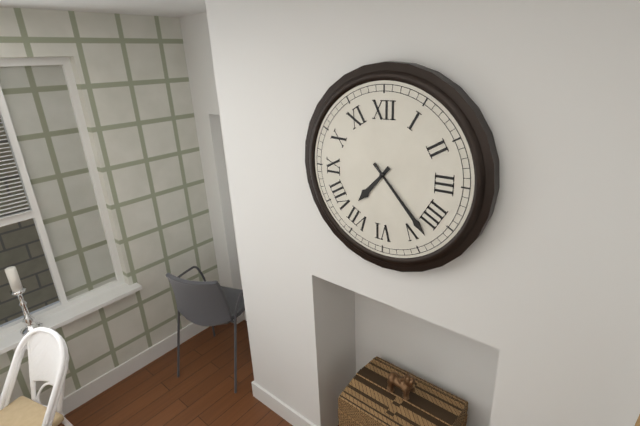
7:23
